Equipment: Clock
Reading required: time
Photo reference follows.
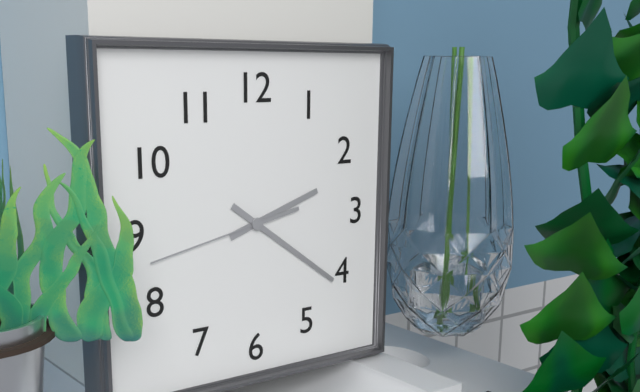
2:21:43
